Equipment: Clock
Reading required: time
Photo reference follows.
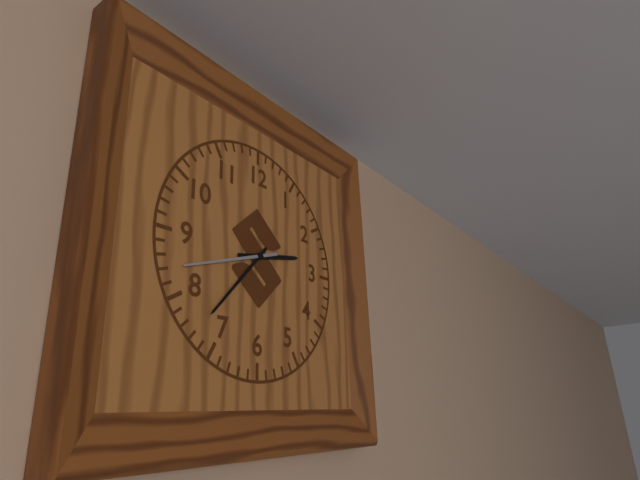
2:37:42
